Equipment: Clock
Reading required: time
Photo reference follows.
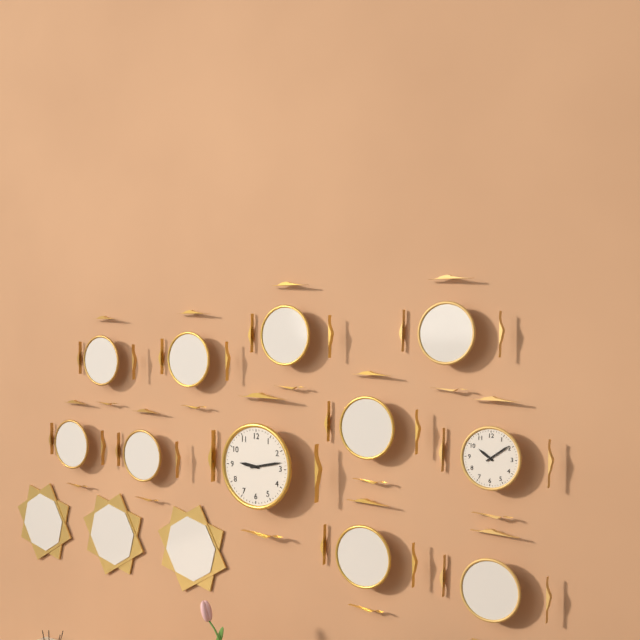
9:13
